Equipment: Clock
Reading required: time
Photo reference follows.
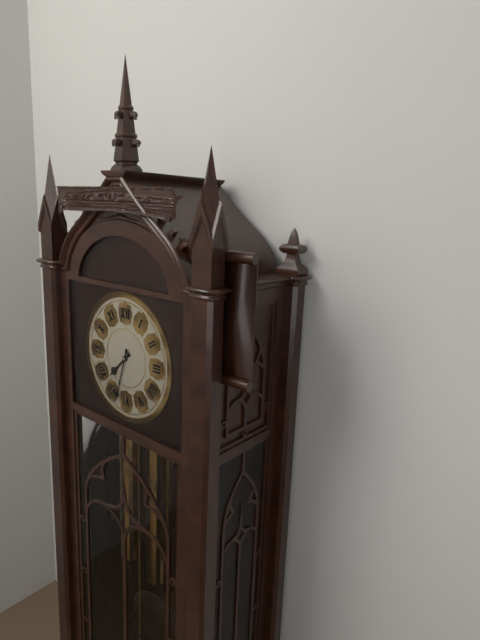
7:33
